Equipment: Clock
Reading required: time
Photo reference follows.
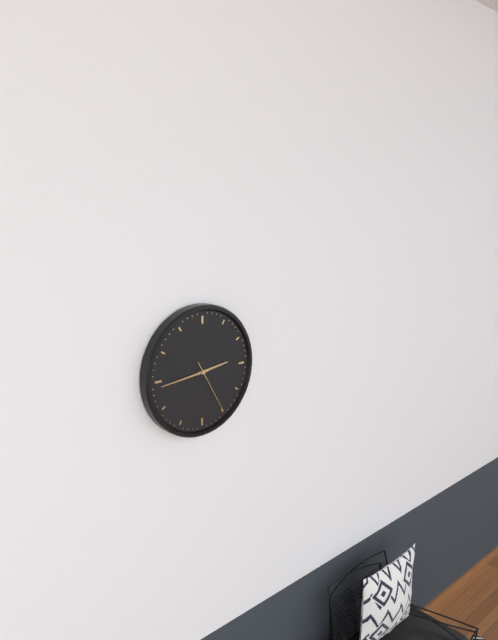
2:44:25
